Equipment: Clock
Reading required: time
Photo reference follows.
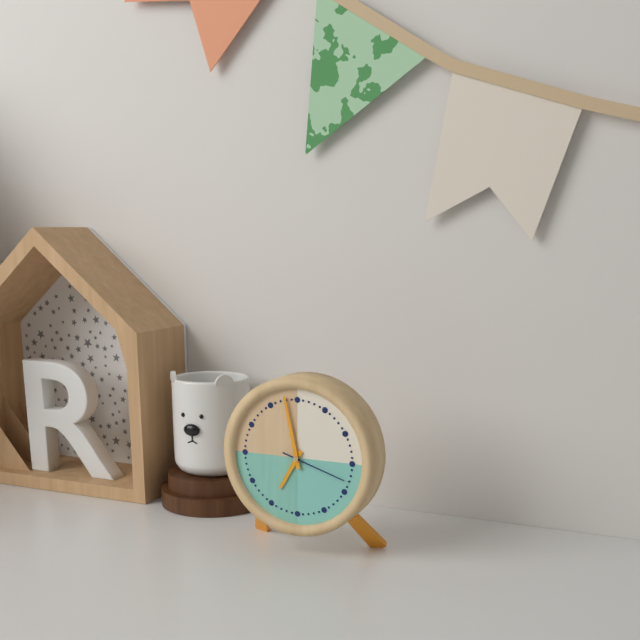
6:58:18
